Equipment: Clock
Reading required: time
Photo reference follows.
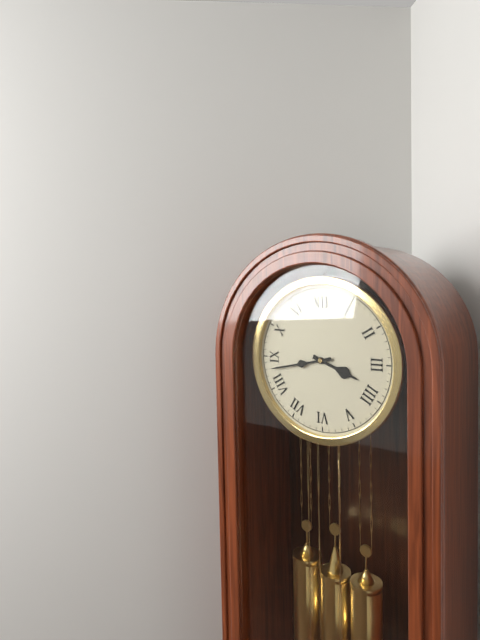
3:43
